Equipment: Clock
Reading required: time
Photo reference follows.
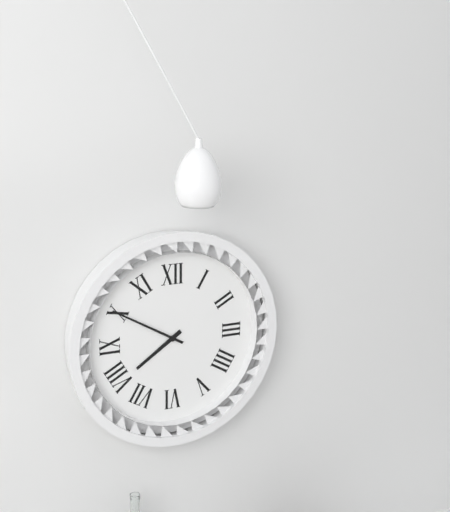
7:50
